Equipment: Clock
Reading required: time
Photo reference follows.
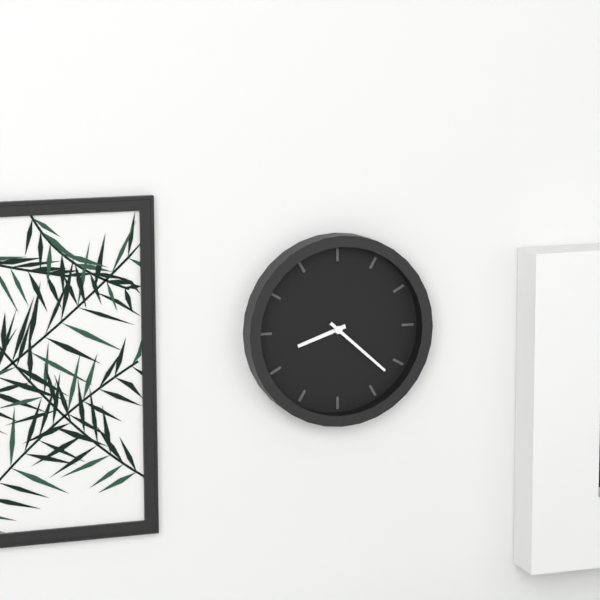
8:22
